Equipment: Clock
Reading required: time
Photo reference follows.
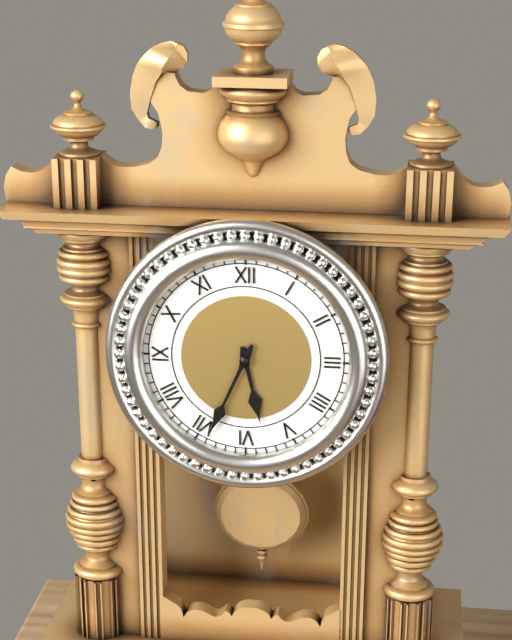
5:34
